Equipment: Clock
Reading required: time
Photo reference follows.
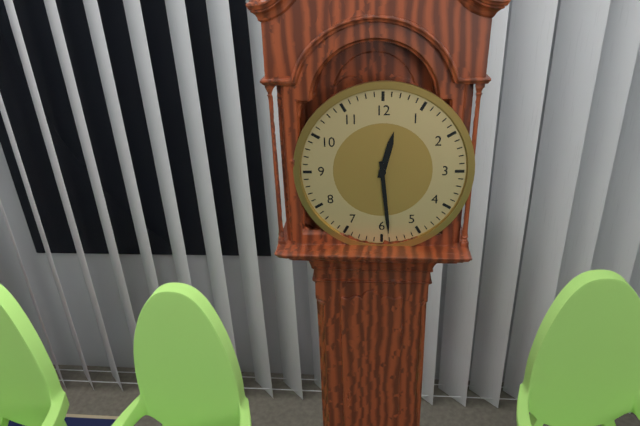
12:29
